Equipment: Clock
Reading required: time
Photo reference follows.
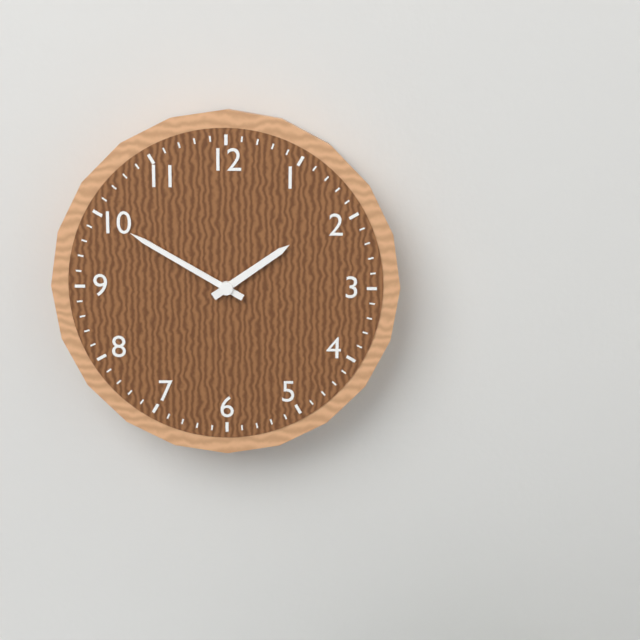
1:50
